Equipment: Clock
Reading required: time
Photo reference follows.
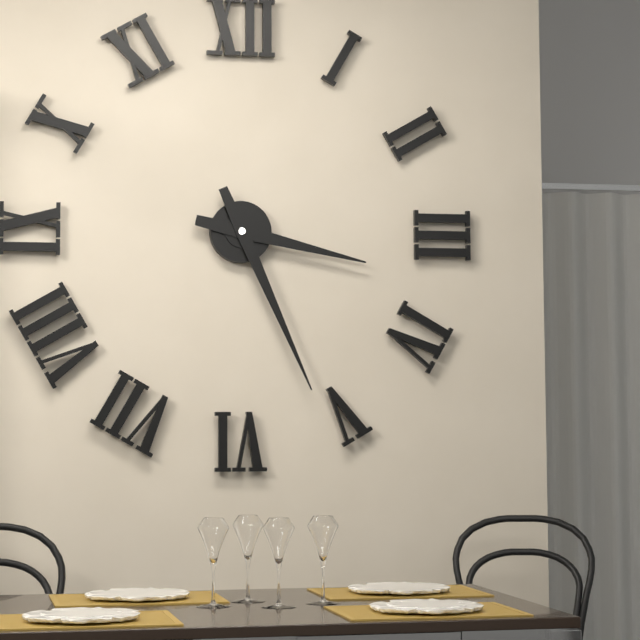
3:26
